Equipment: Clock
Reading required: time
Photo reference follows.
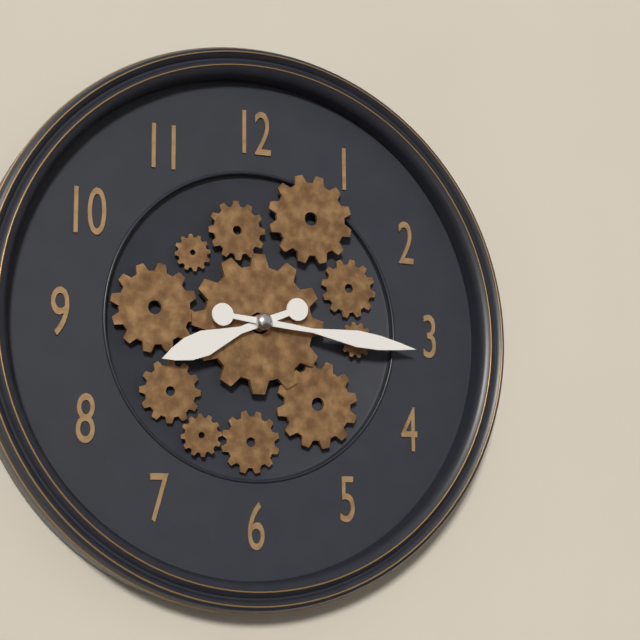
8:16
